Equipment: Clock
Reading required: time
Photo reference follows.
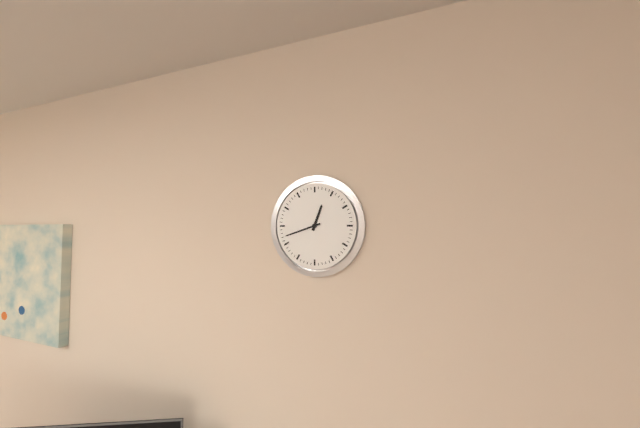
12:42
